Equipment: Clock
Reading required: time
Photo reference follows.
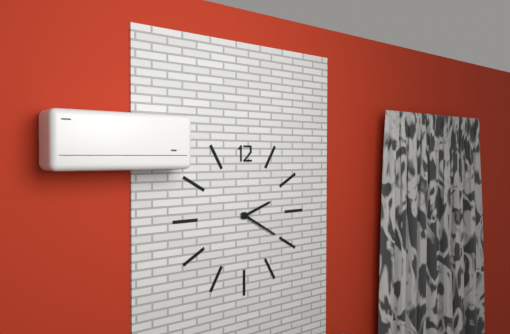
2:20
